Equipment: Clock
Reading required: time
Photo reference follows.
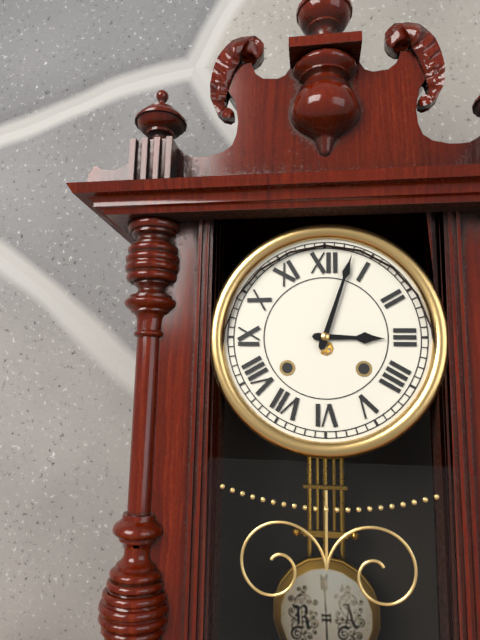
3:03
